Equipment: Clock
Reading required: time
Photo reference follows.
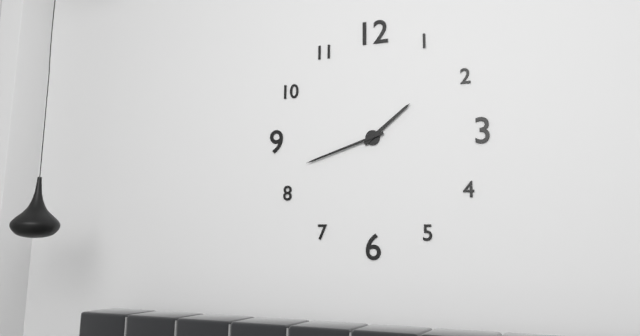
1:42
